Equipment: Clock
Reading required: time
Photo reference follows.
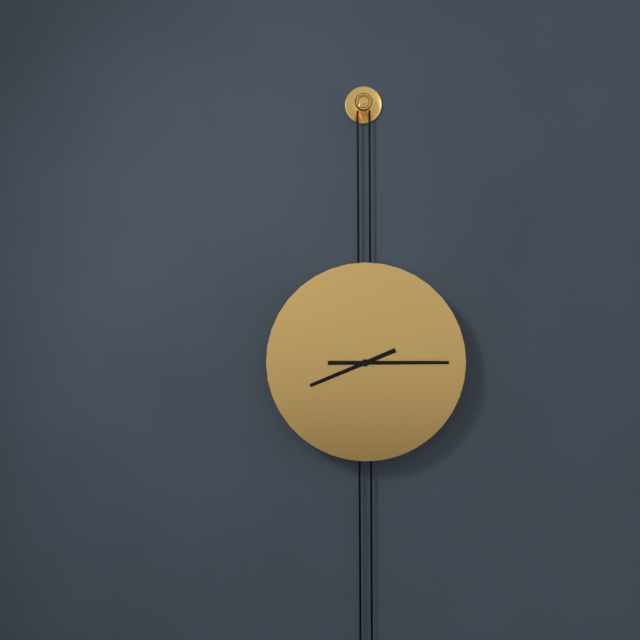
8:15
